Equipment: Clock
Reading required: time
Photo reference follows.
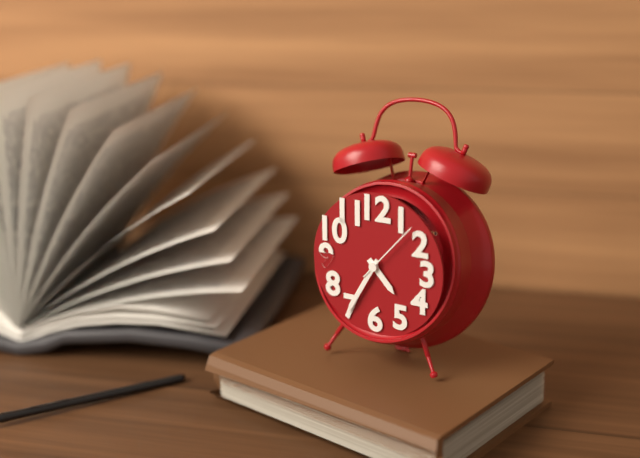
4:35:07
